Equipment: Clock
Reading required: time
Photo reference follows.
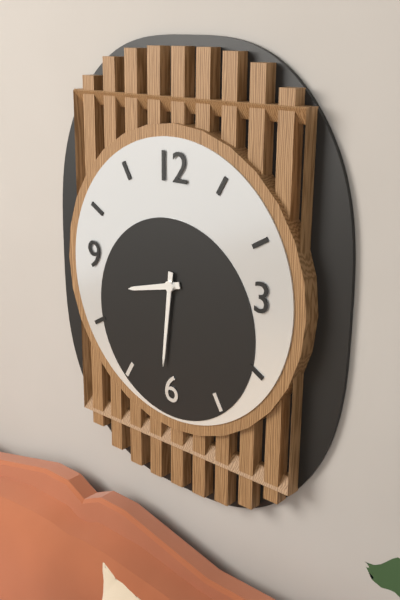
8:31
